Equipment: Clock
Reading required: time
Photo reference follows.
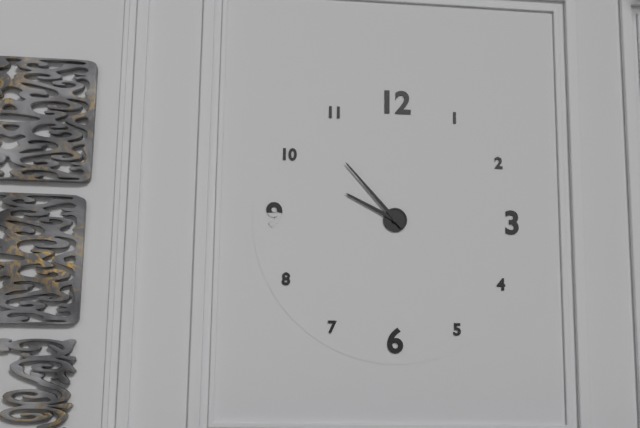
9:53
